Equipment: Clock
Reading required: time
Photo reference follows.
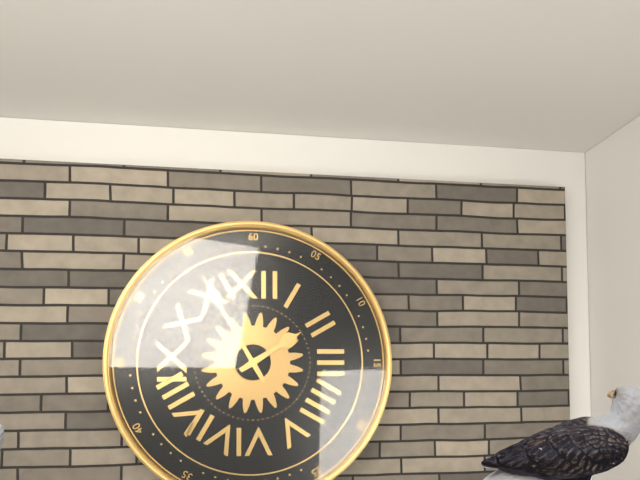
1:55
